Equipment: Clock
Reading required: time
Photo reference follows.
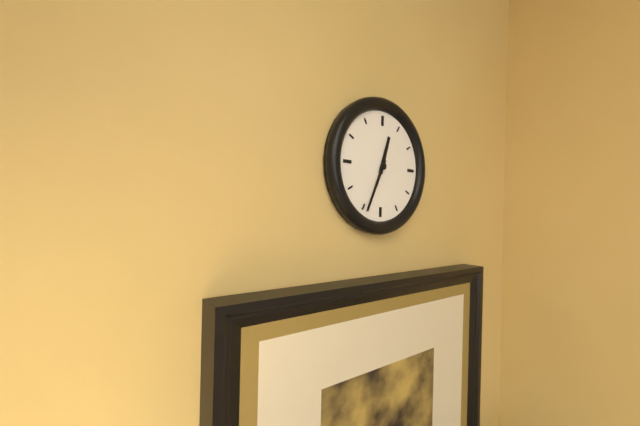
12:34
